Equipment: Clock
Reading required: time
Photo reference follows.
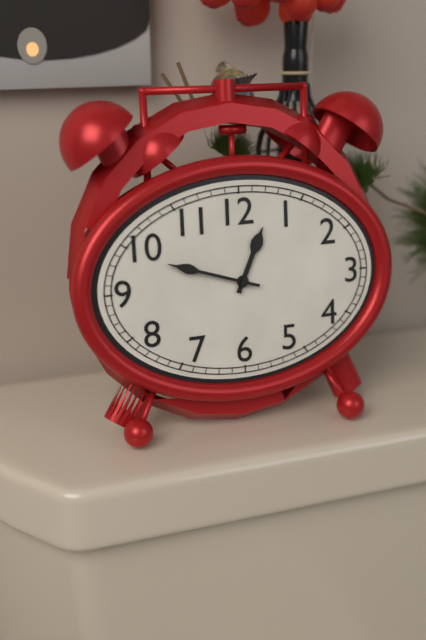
12:48
